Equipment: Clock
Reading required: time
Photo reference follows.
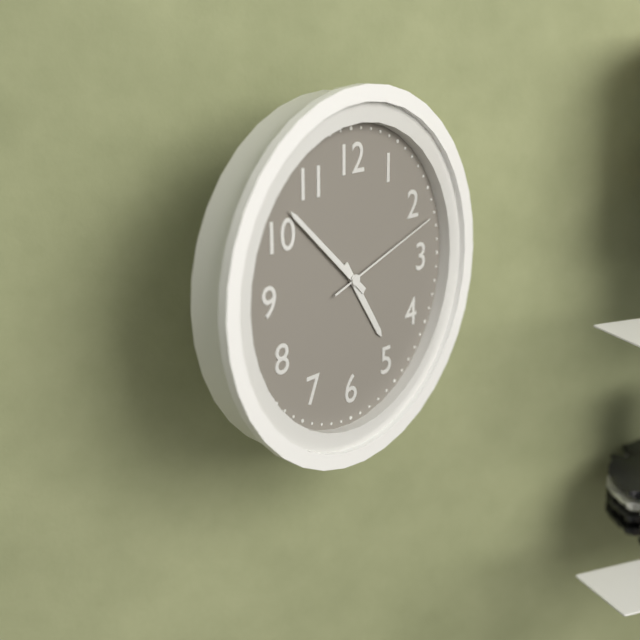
4:52:12
